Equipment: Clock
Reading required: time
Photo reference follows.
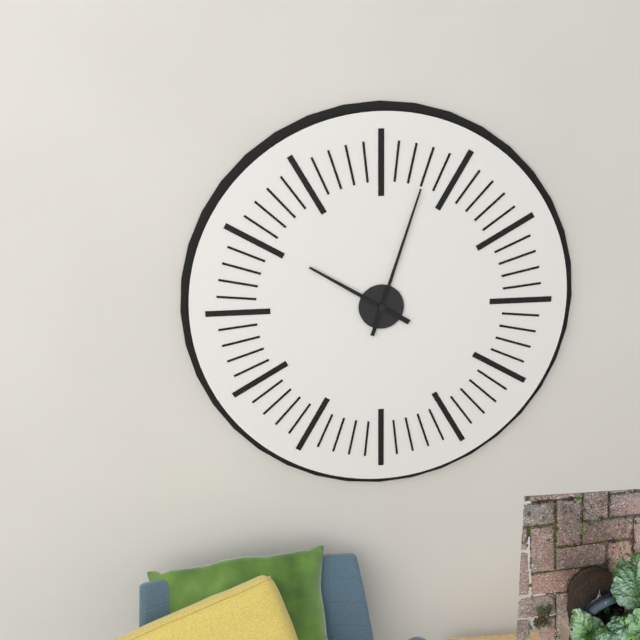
10:03
